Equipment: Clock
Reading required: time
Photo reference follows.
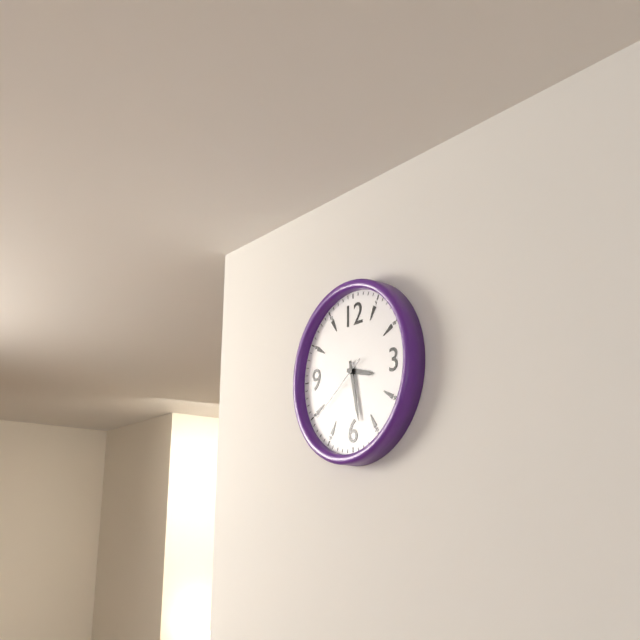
3:28:39
